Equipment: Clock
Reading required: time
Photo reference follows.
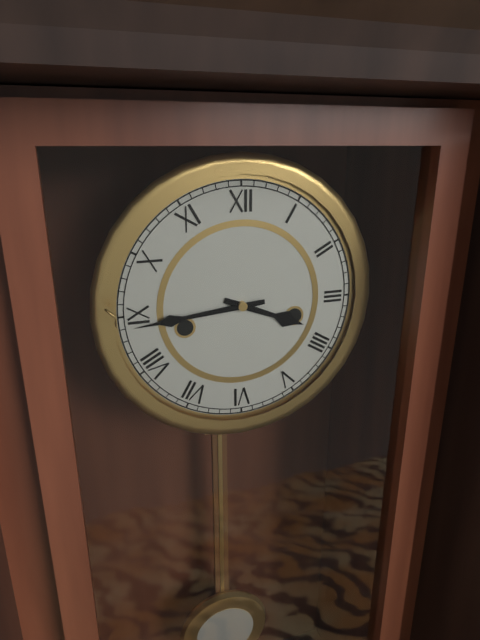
3:44
